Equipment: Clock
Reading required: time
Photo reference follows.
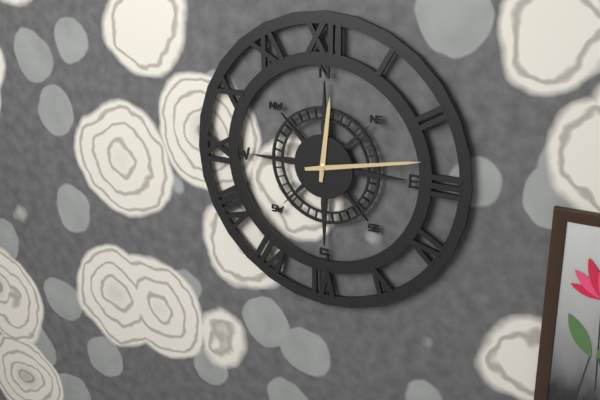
12:13
